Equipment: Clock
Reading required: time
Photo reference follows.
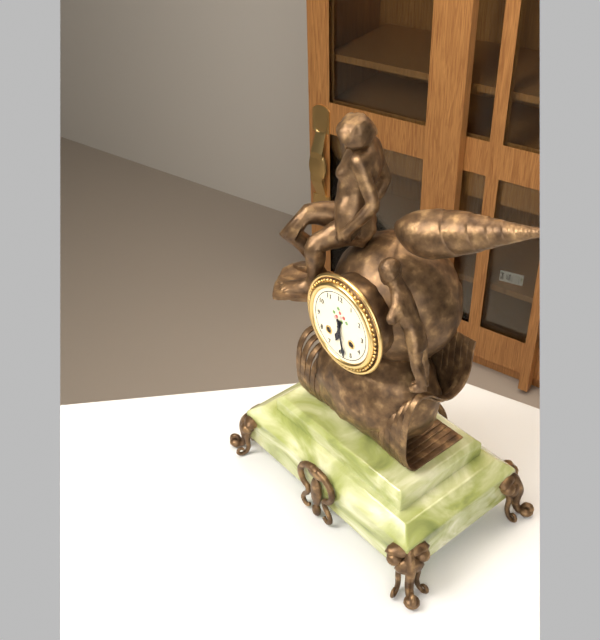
6:28
